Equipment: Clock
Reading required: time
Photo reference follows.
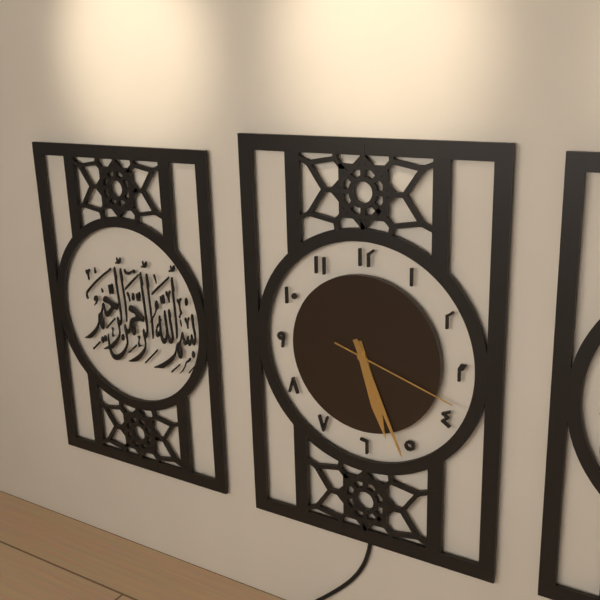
5:26:18
